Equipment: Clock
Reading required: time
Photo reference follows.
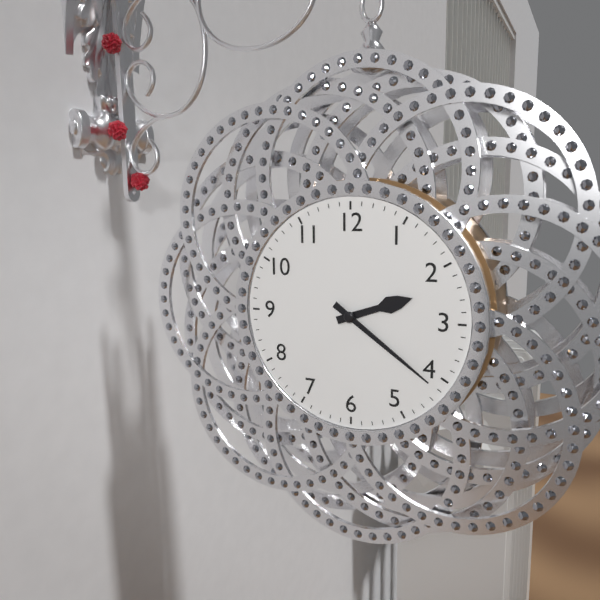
2:21
